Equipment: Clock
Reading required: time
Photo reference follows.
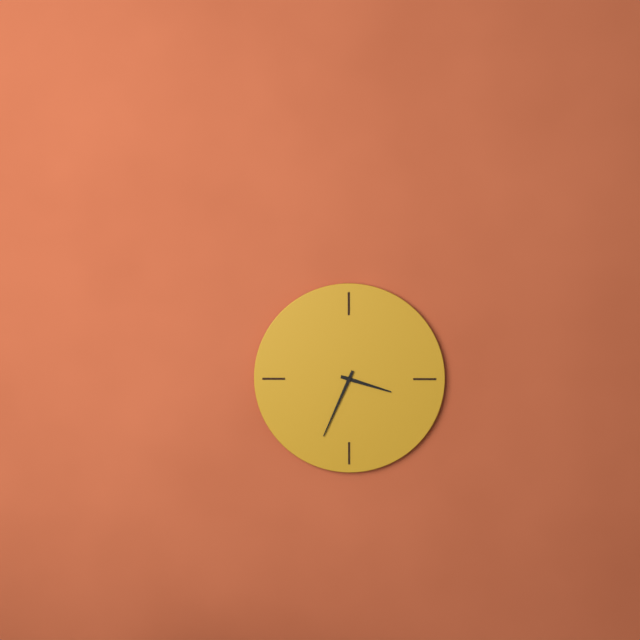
3:34
